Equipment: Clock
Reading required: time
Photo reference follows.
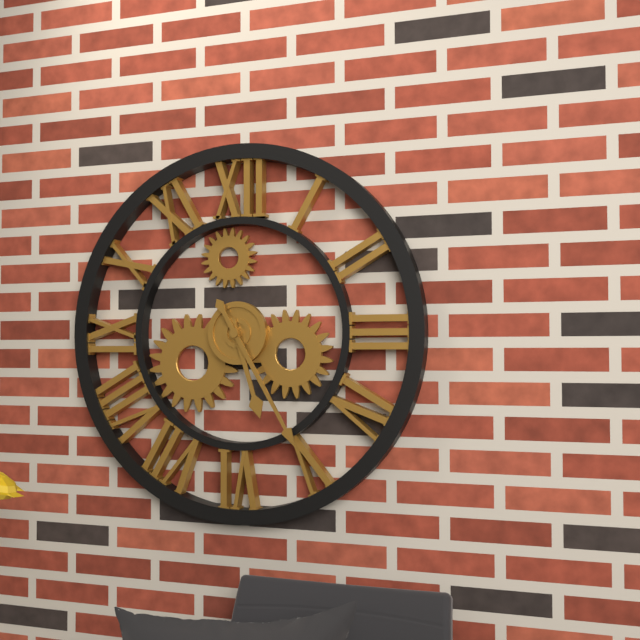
5:25
